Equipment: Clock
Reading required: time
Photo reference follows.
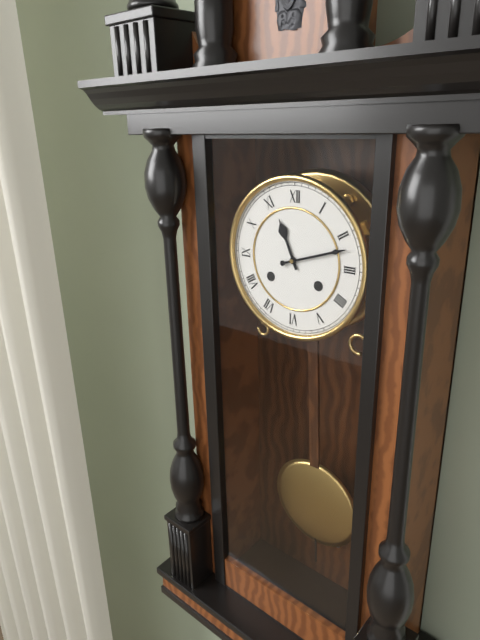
11:12
